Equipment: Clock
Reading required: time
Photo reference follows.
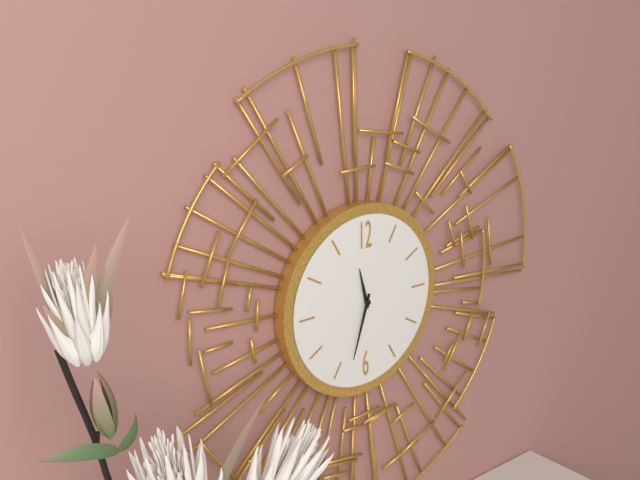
11:33
